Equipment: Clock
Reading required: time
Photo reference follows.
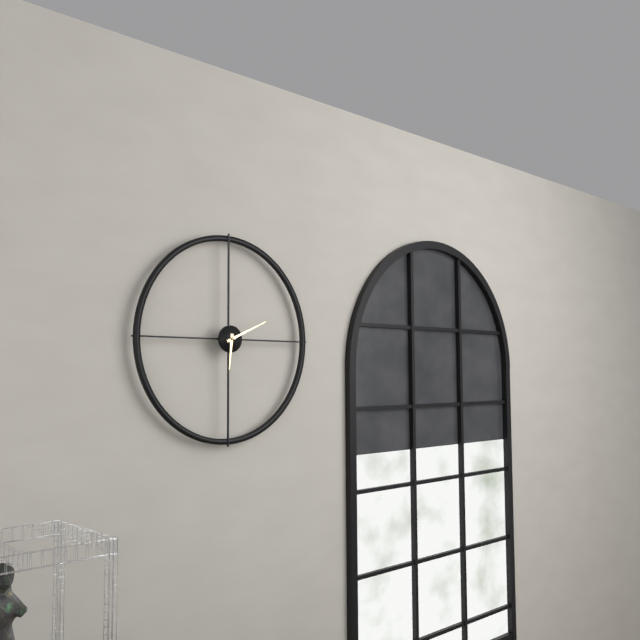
6:11
